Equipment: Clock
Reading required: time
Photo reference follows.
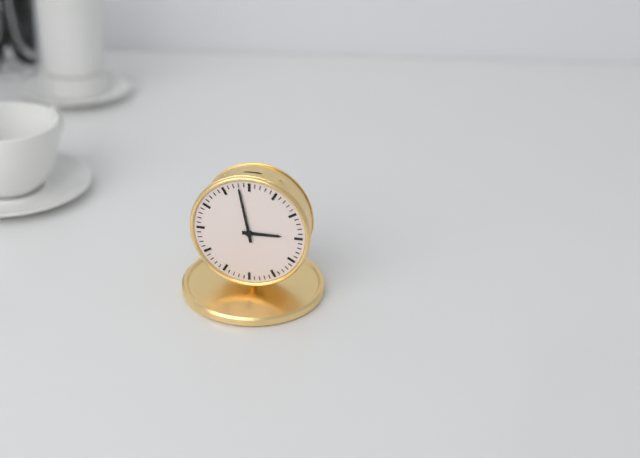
2:58
